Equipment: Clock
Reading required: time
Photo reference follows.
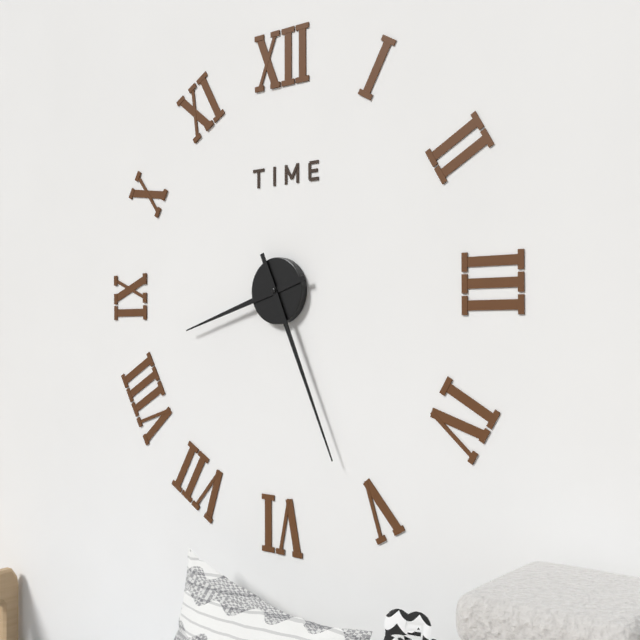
8:26
